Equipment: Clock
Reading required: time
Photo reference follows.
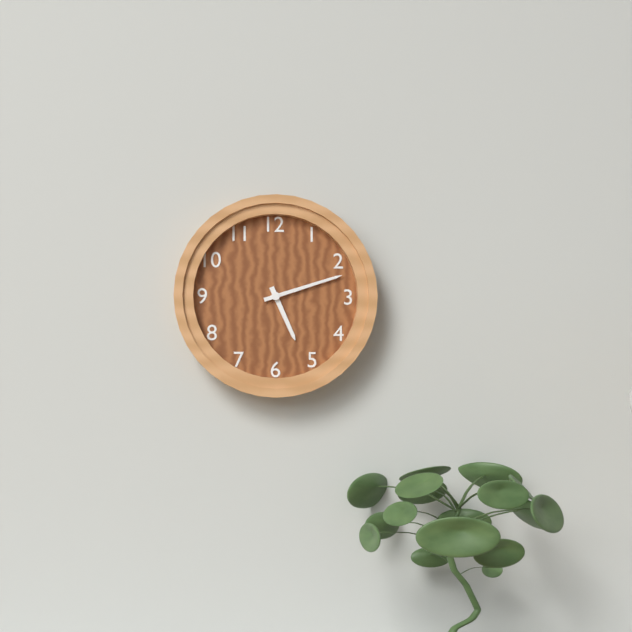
5:12
